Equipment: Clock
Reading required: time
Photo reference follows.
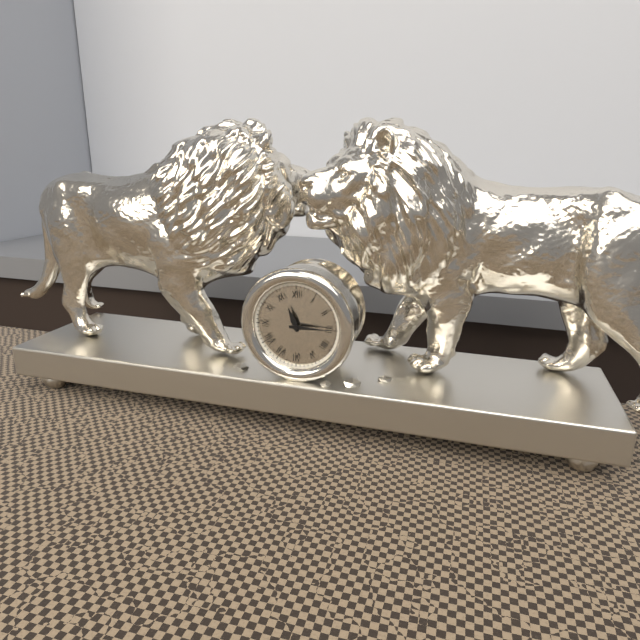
11:15
